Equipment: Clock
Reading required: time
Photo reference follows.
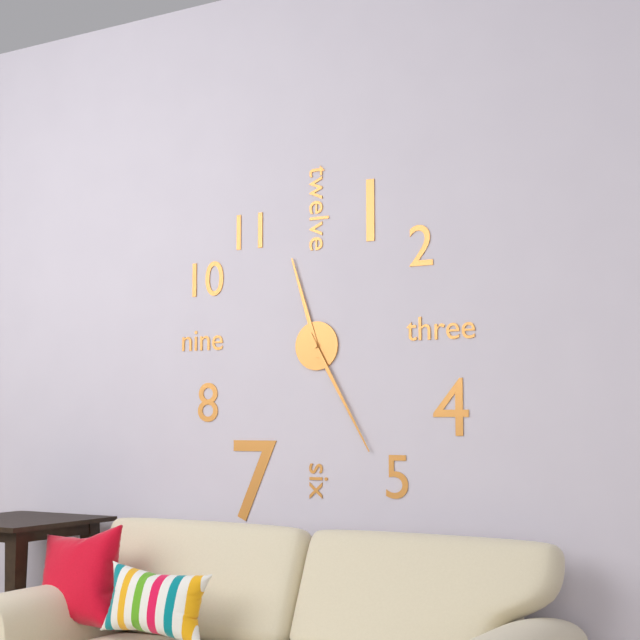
11:25
